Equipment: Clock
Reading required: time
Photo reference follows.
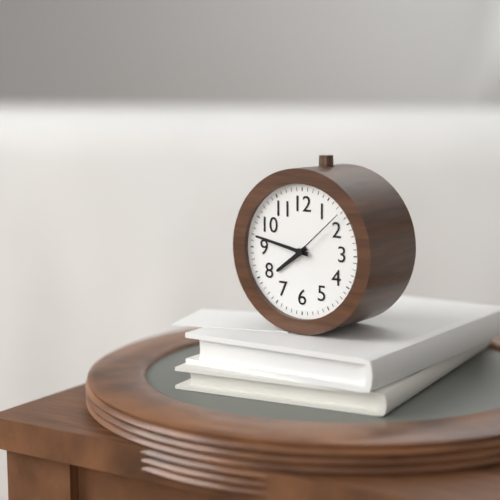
7:47:08
